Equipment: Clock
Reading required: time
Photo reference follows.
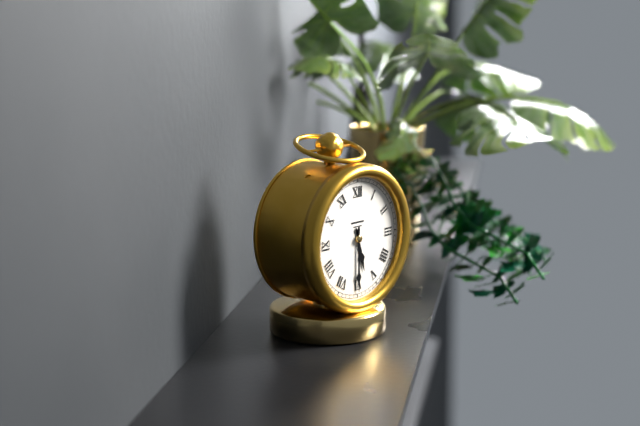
5:30
